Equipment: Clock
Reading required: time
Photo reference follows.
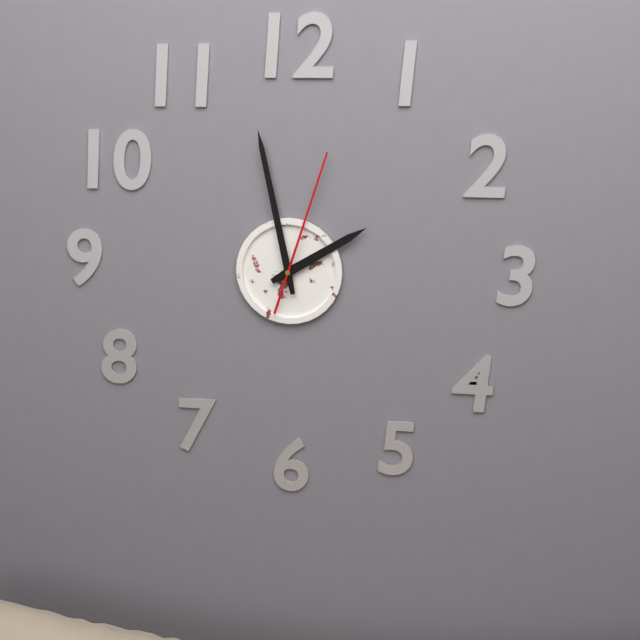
1:58:03
